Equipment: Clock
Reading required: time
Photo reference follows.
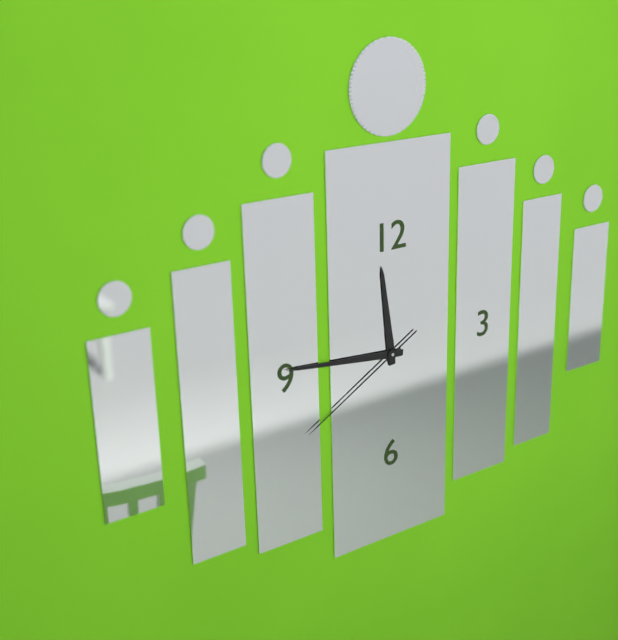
11:46:40
